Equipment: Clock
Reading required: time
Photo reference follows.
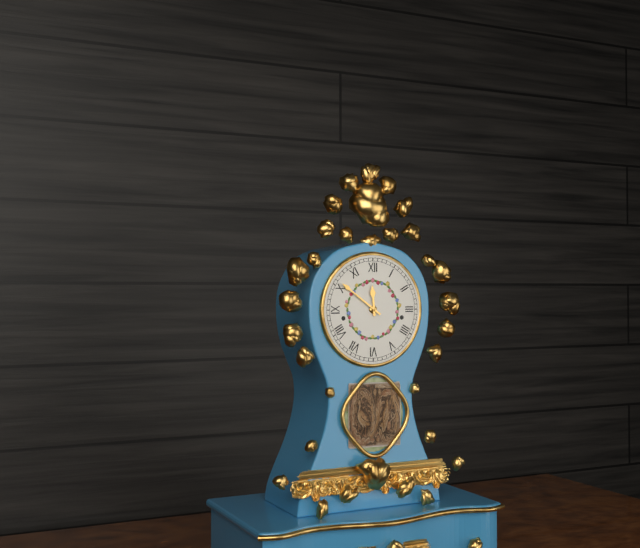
11:51
